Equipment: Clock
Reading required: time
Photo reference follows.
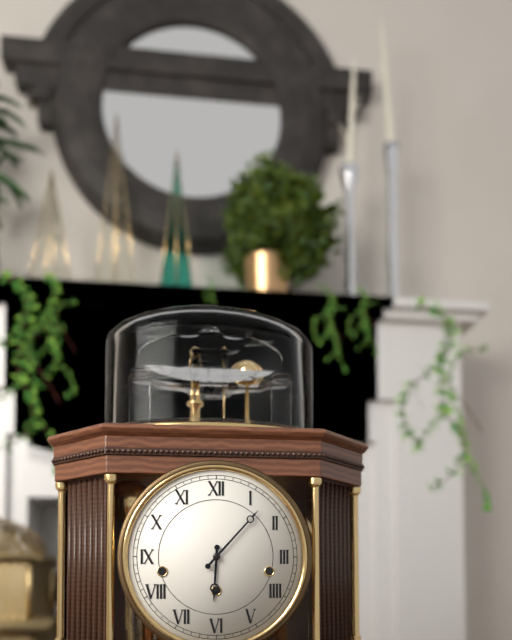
6:07
